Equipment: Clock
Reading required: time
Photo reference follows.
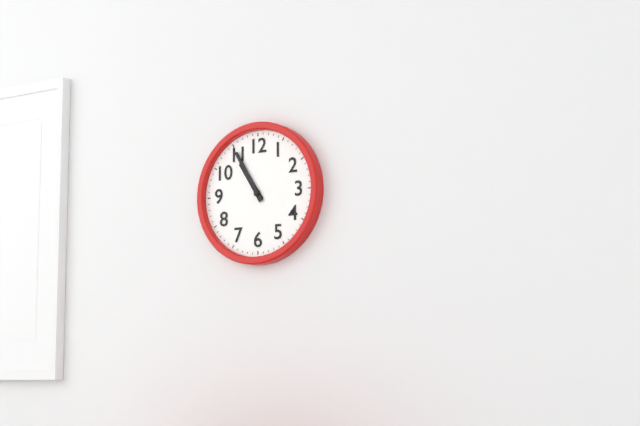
10:55
